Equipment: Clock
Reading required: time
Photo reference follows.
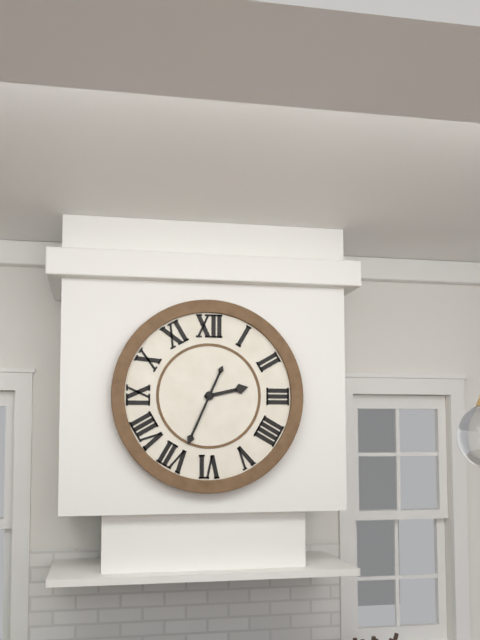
2:34
